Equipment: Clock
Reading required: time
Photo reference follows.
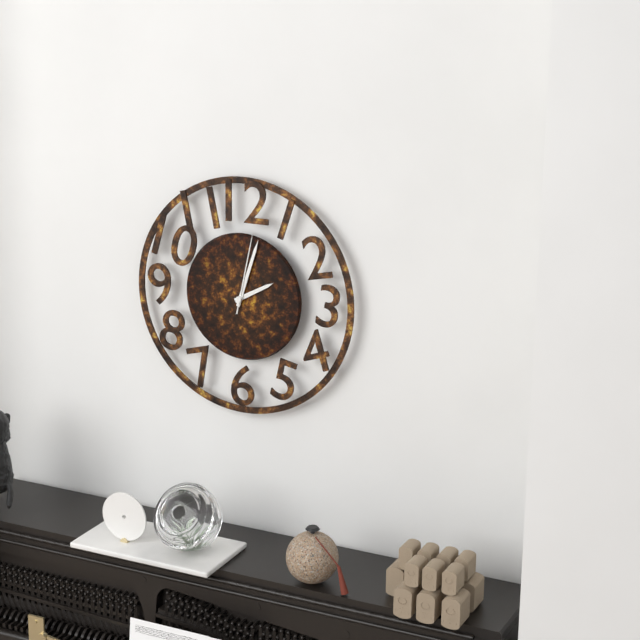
2:03:02
